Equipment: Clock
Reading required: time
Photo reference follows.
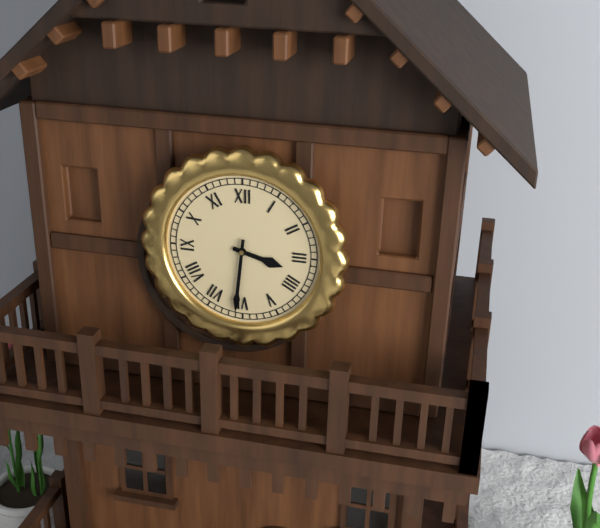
3:31
